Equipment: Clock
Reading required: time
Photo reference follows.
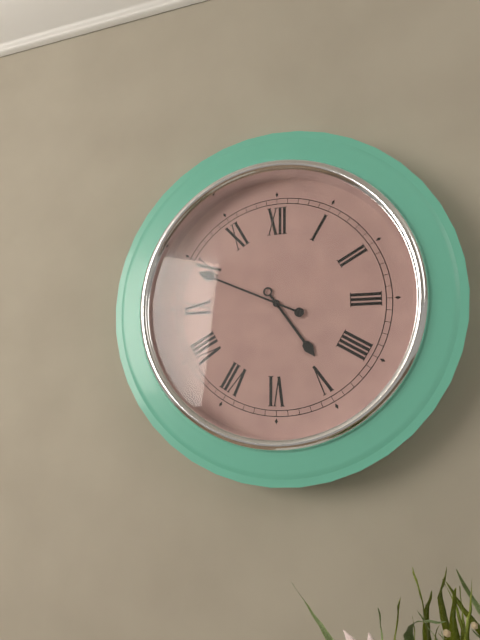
4:49
